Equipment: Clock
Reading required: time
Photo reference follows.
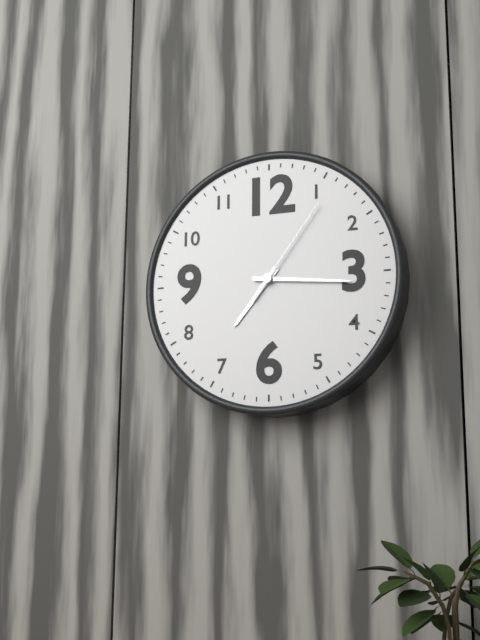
7:16:06
